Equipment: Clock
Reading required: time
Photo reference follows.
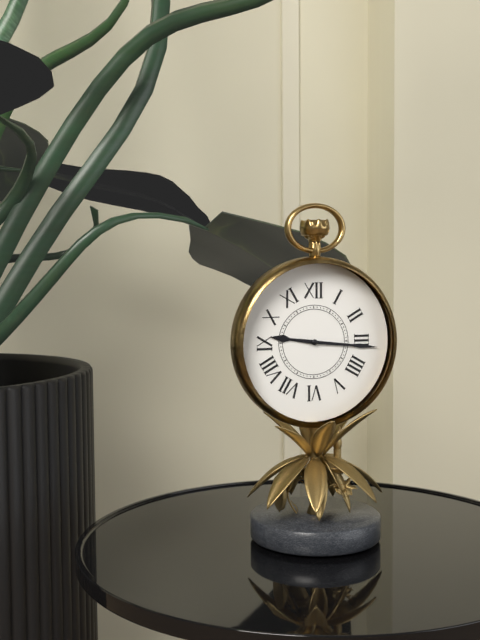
9:16
